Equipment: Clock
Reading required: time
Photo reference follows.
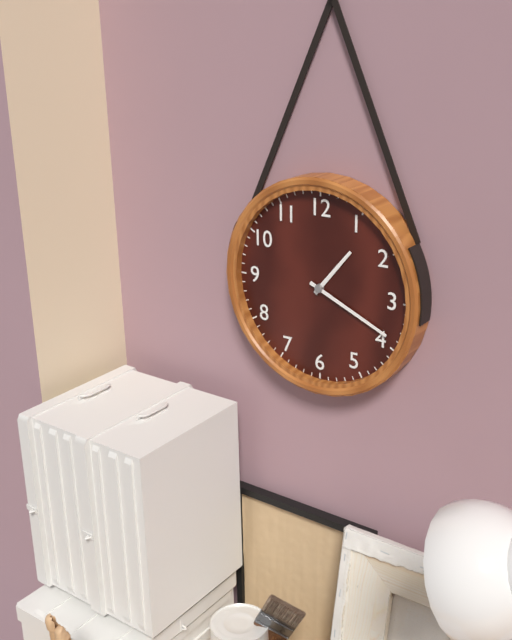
1:19
